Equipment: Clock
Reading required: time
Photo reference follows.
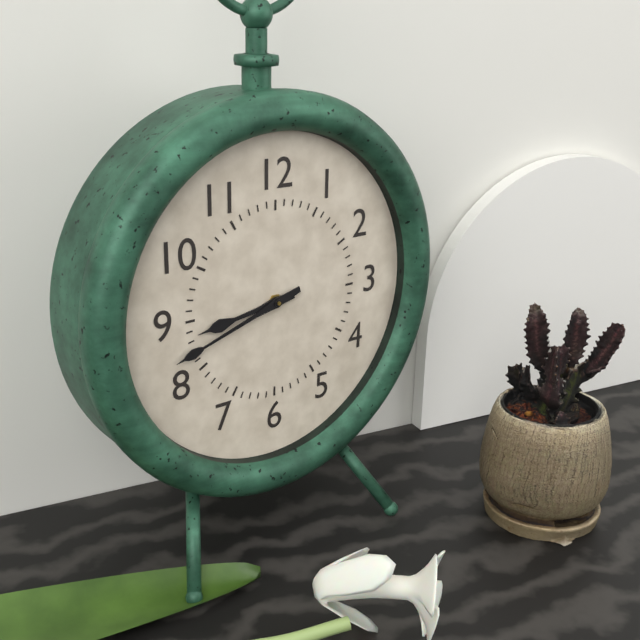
8:42
